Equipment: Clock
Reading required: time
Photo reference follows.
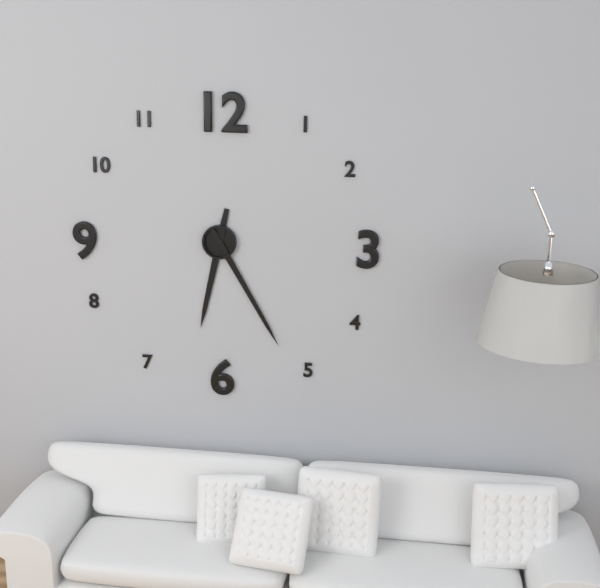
6:25
